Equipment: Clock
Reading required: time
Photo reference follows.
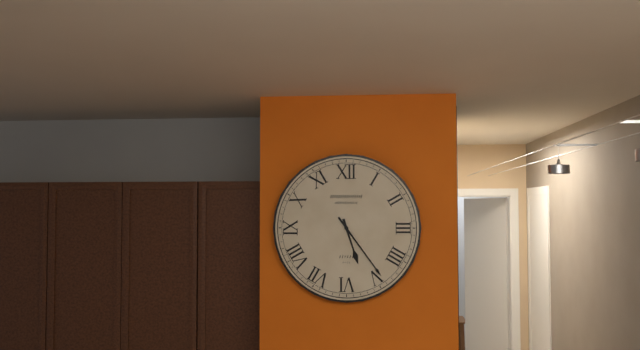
5:24
